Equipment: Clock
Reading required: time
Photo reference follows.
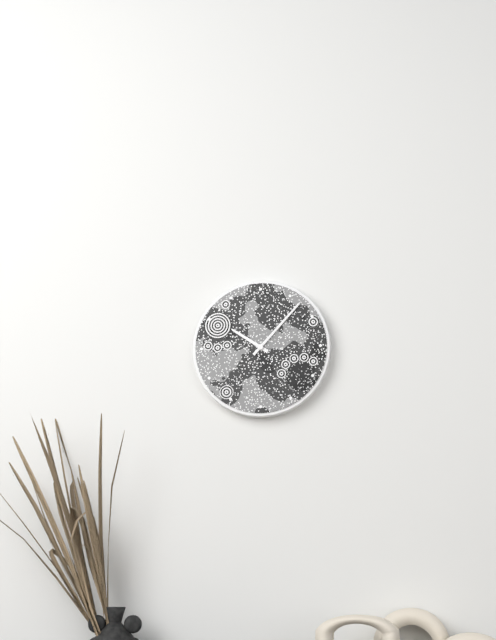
10:07
